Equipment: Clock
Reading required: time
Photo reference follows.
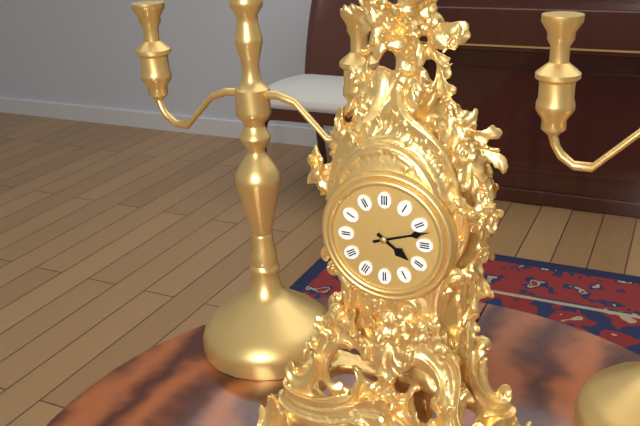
4:12
